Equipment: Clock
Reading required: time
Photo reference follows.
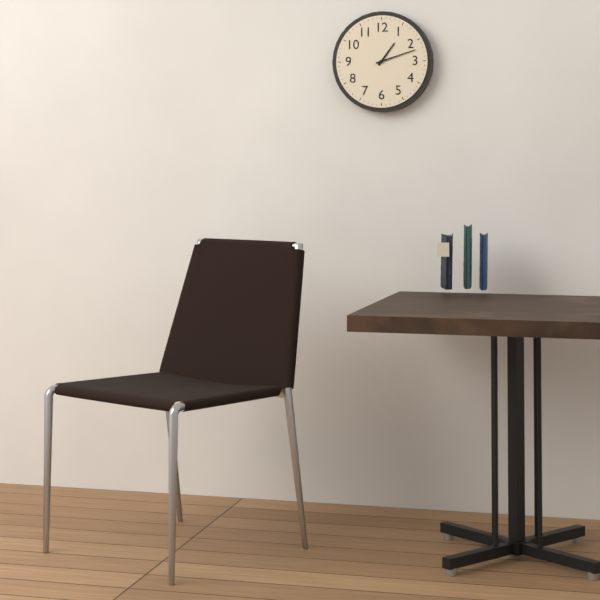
1:12
